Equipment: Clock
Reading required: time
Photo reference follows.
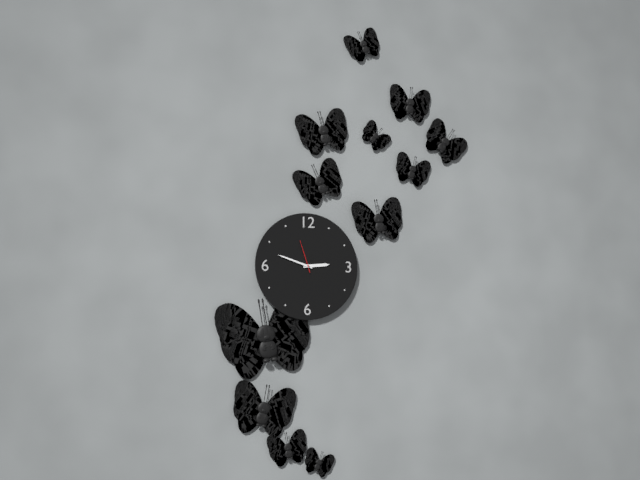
2:48
